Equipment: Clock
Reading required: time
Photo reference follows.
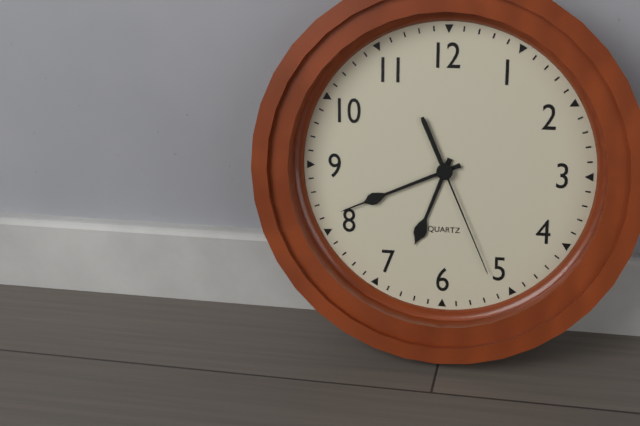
6:41:26
